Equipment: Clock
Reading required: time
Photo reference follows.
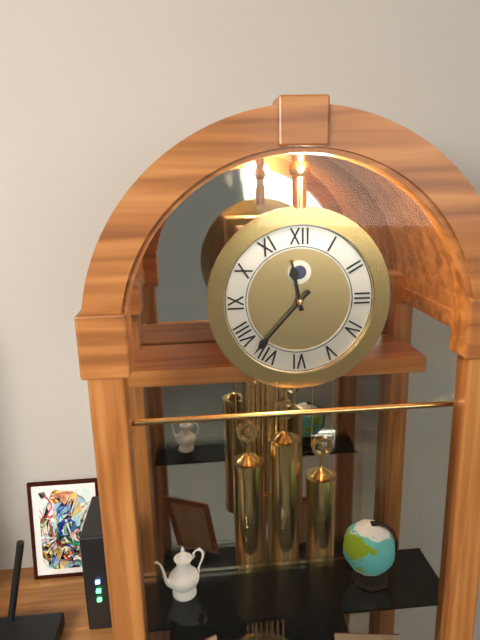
11:37
